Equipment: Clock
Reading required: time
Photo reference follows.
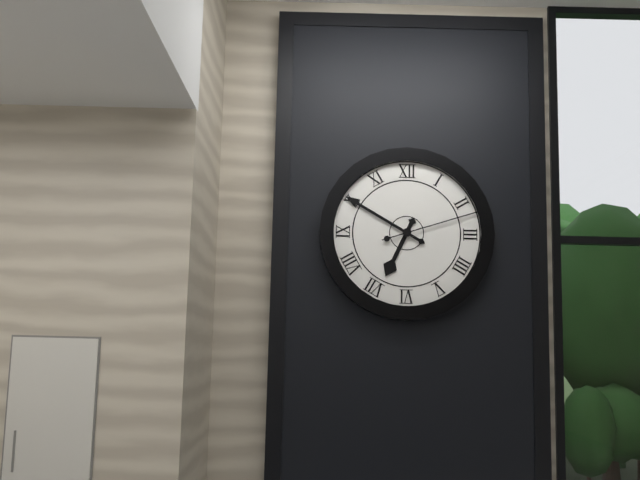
6:50:12
